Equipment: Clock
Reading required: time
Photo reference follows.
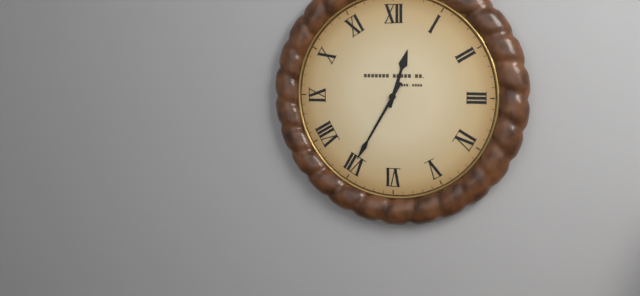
12:35
